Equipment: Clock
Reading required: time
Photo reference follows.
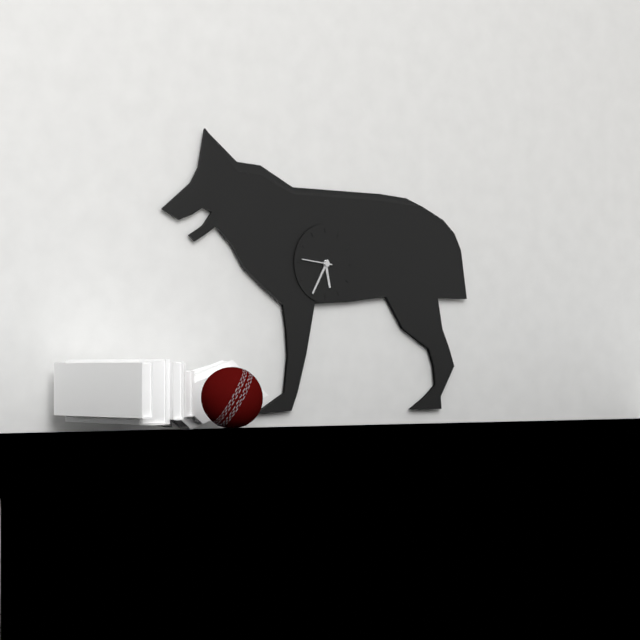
5:35
